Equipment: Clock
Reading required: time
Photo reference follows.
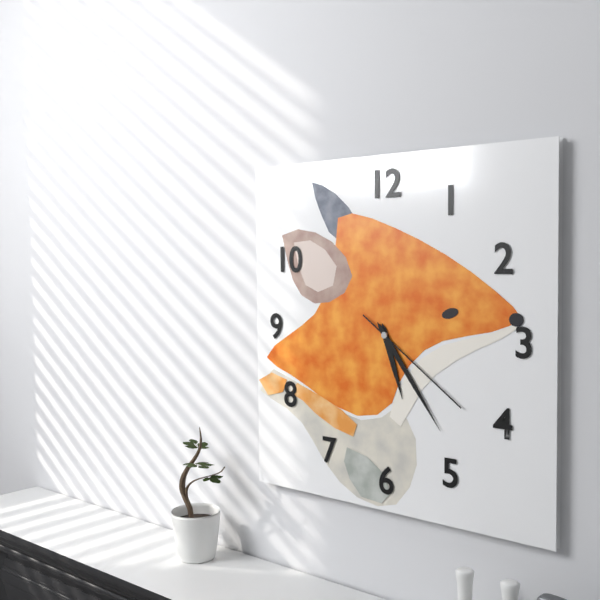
5:24:21
